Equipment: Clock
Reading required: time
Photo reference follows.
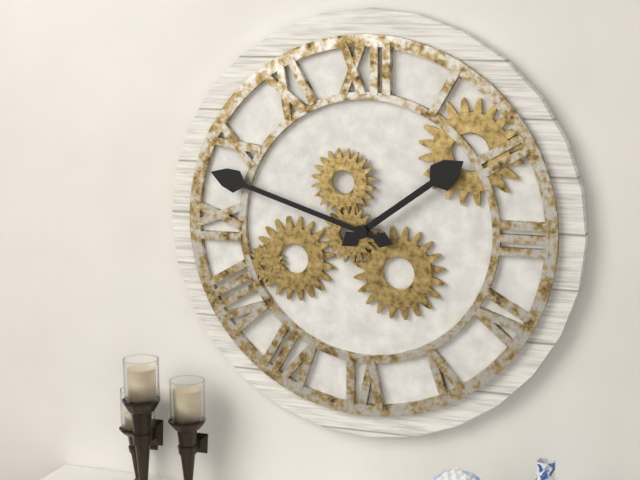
1:48
